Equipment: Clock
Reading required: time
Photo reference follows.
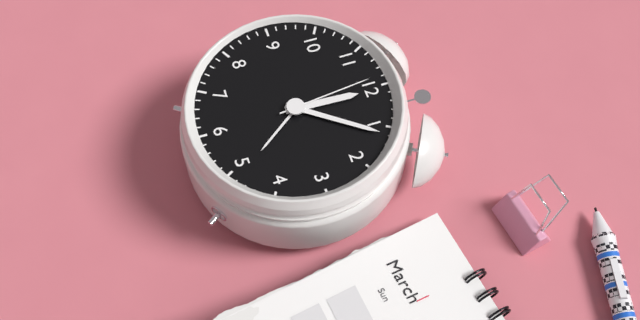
12:06:59
